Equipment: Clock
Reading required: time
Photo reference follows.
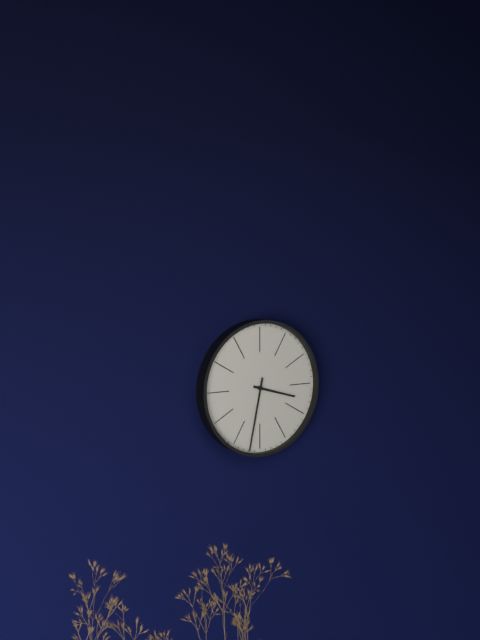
3:32
